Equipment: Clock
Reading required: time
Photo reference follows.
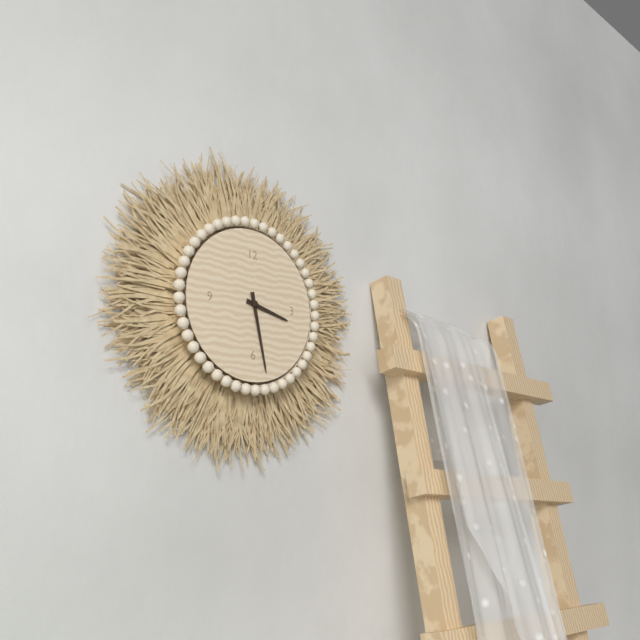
3:28
